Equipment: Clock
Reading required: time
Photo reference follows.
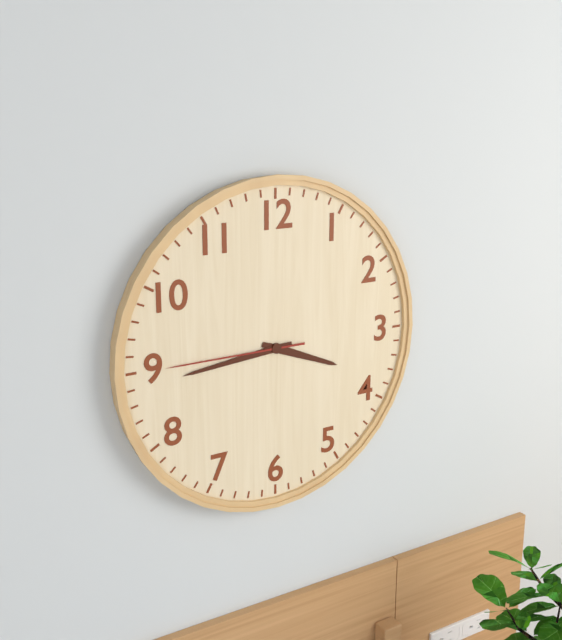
3:44:45
